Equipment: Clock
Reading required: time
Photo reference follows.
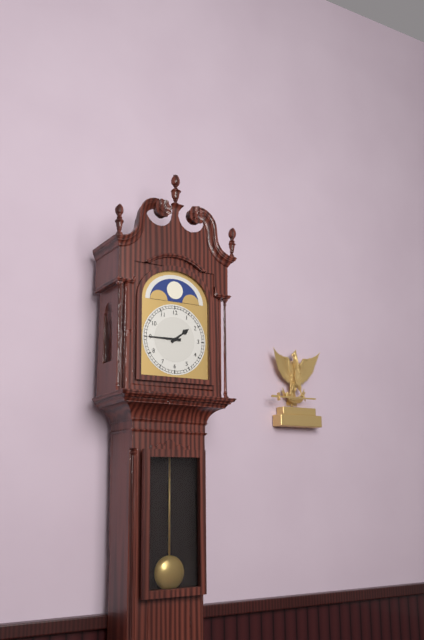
1:45
